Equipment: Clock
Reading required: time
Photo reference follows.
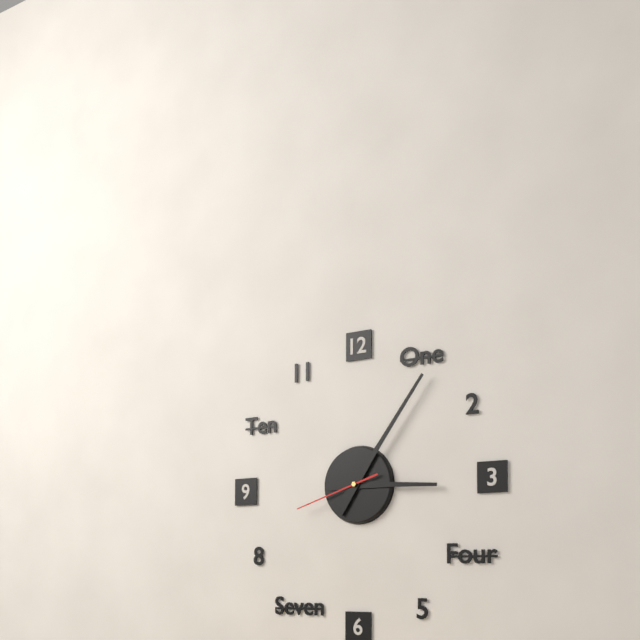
3:06:42
